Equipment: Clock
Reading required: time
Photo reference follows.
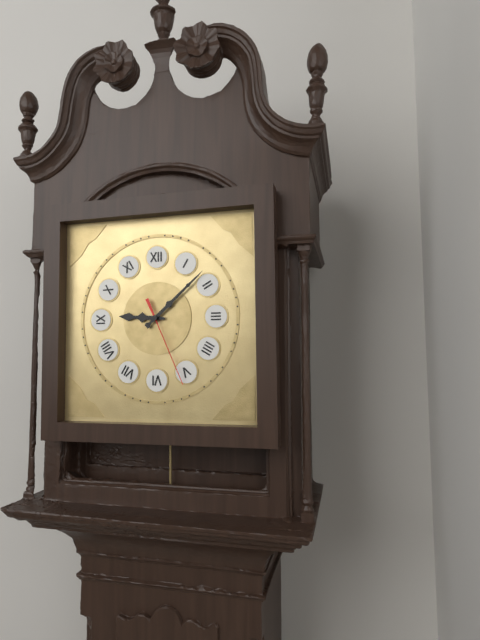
9:08:26
